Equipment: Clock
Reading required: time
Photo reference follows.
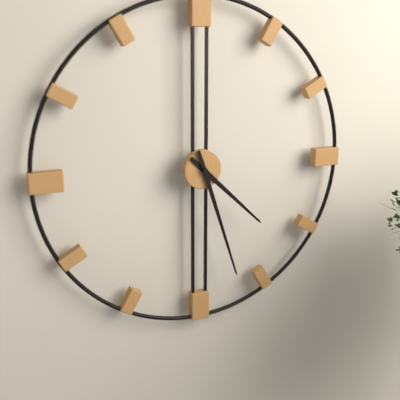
4:27
